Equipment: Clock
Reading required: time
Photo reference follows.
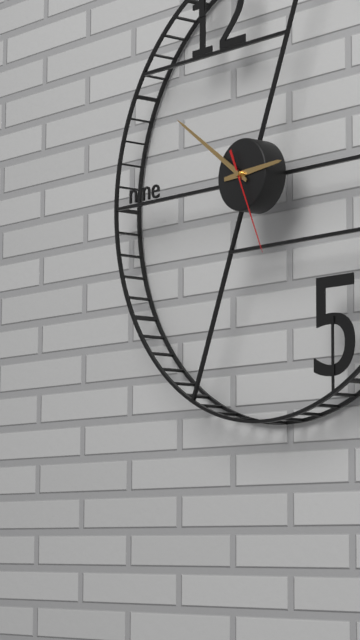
2:51:26
